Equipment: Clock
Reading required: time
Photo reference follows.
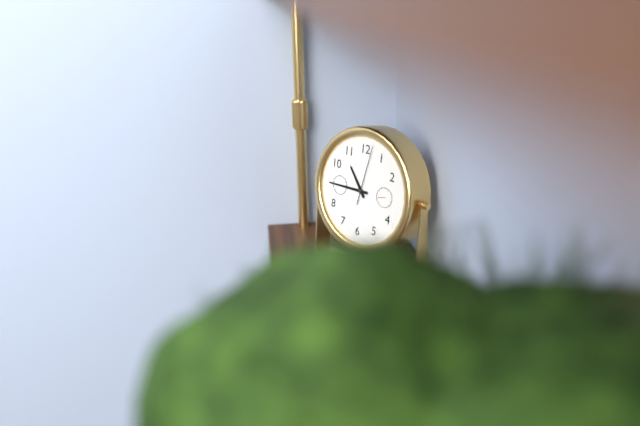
10:45:02
